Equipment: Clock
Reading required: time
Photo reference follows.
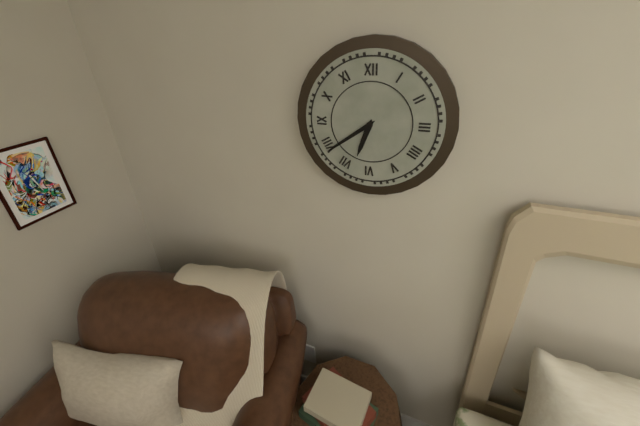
6:39
